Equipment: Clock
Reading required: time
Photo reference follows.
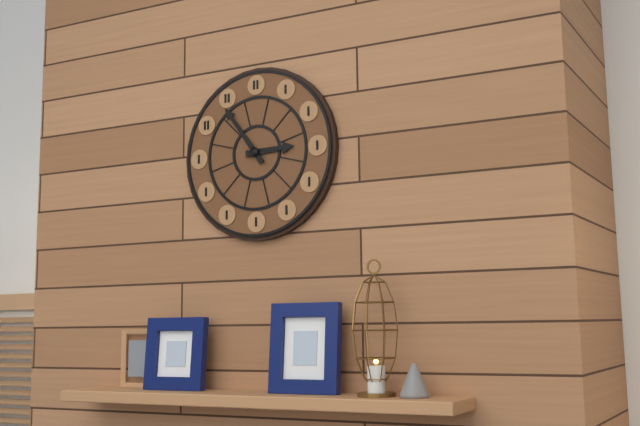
2:54
